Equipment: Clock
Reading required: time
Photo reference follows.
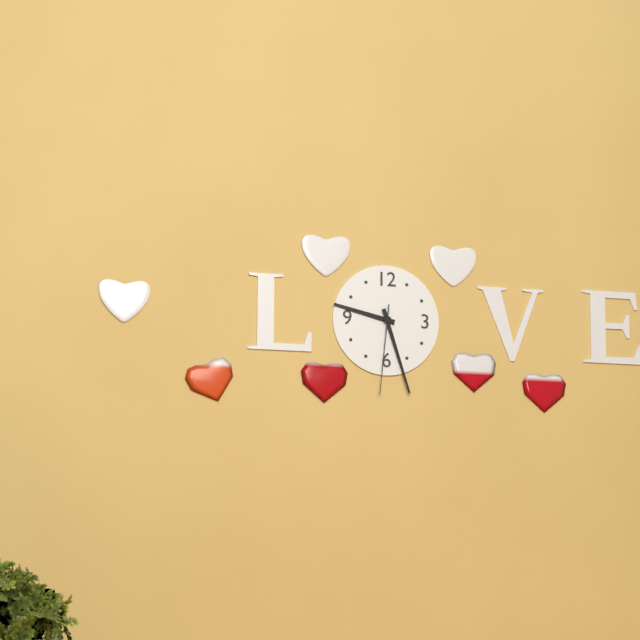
9:27:31
